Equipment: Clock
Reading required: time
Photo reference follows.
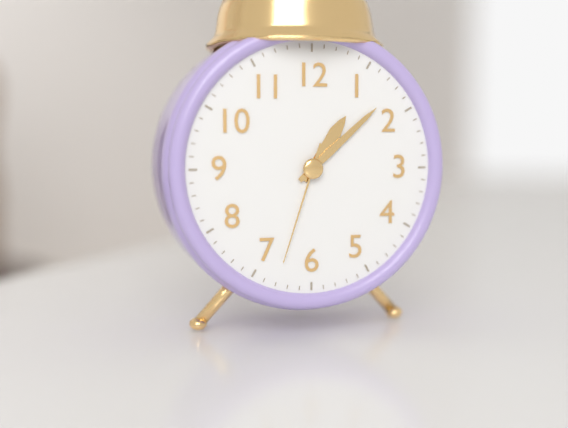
1:08:33
